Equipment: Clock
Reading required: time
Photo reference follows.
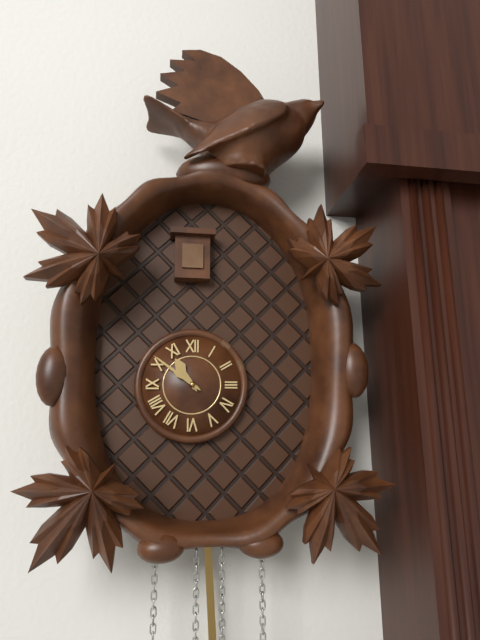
10:51
